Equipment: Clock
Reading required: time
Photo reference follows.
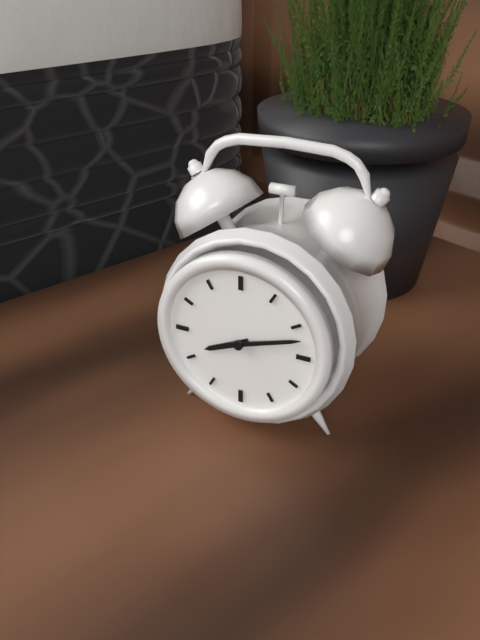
8:12
